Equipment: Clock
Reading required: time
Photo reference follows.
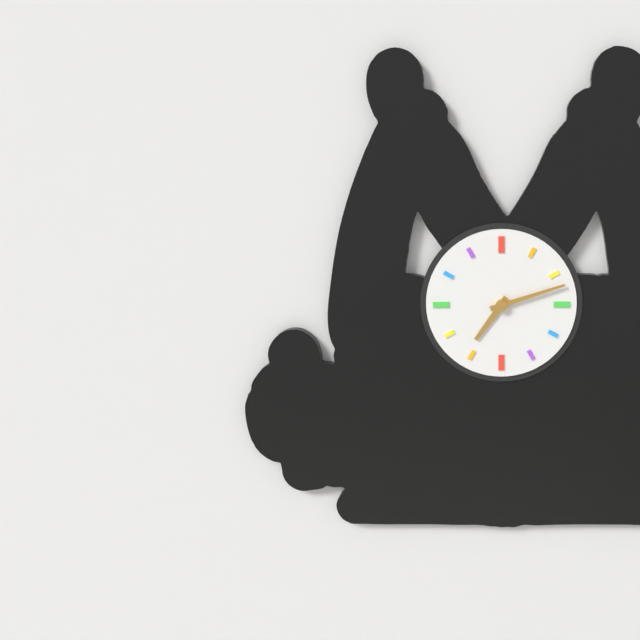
7:12
